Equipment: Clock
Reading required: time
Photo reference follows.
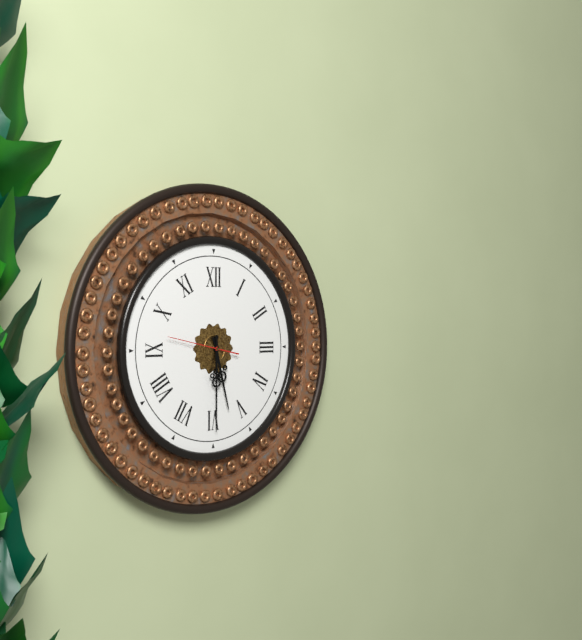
5:30:47
